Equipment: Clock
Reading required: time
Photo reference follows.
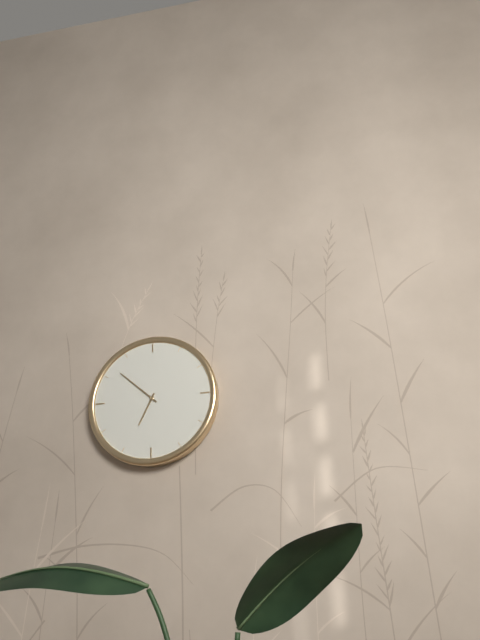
6:52
